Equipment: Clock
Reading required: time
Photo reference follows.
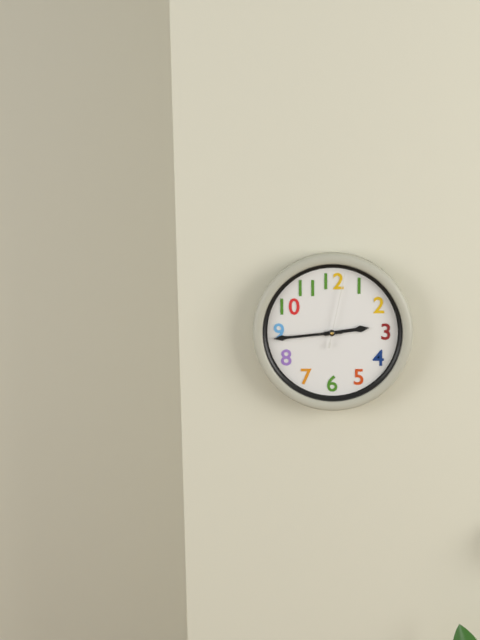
2:44:02
